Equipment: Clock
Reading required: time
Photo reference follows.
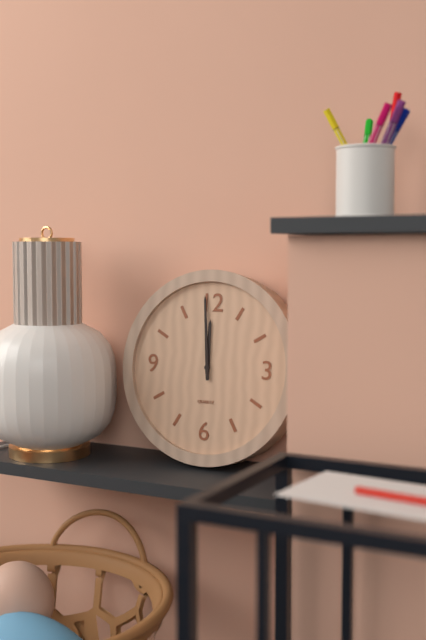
11:59
